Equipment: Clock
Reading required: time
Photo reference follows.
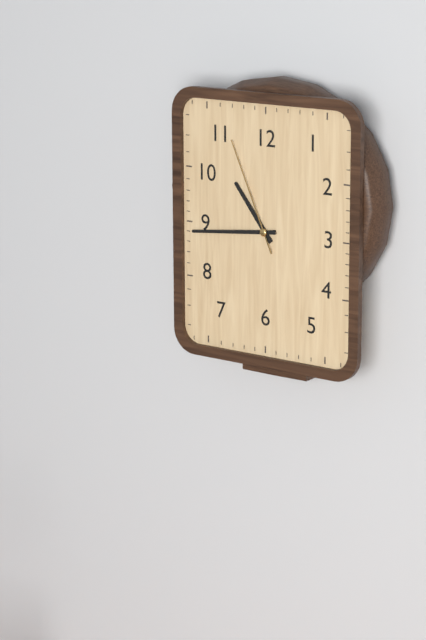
10:44:56
